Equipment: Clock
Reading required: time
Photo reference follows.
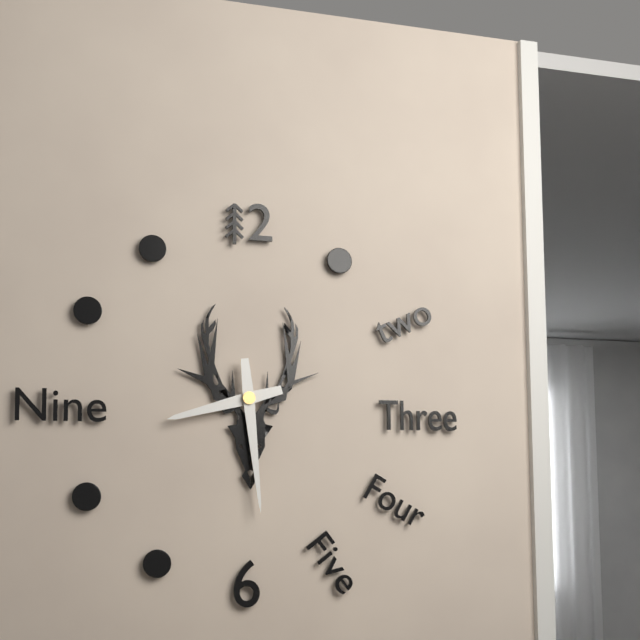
8:29
